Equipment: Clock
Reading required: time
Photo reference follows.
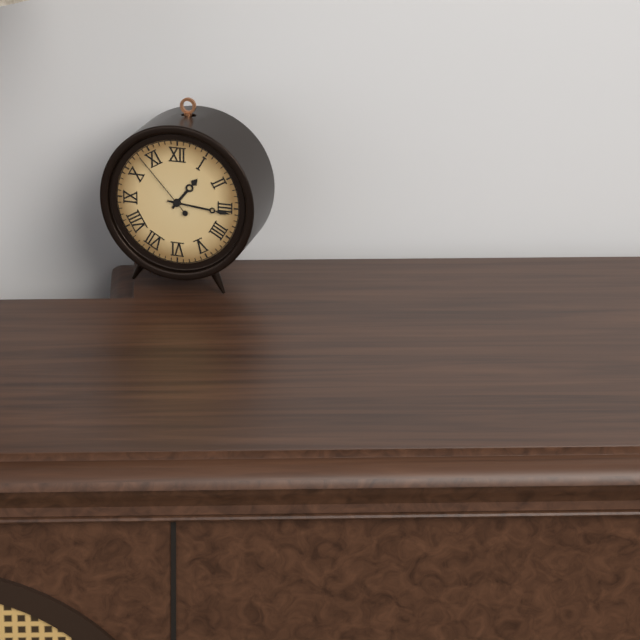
1:16:53
